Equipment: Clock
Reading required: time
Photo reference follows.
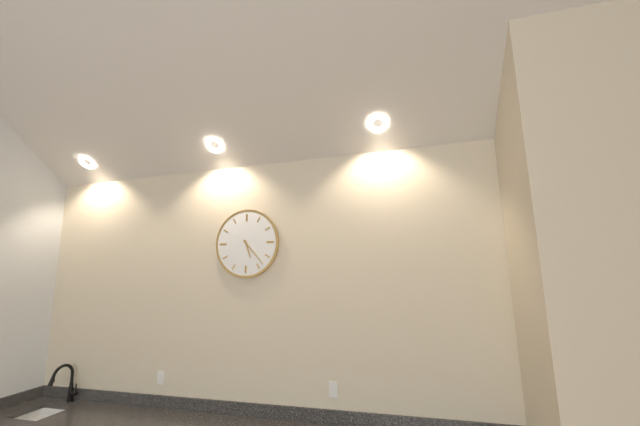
5:23
